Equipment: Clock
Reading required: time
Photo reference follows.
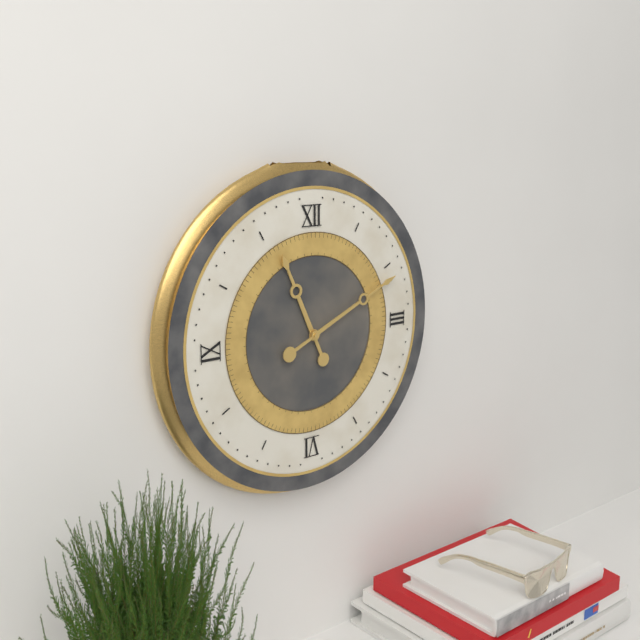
11:11
